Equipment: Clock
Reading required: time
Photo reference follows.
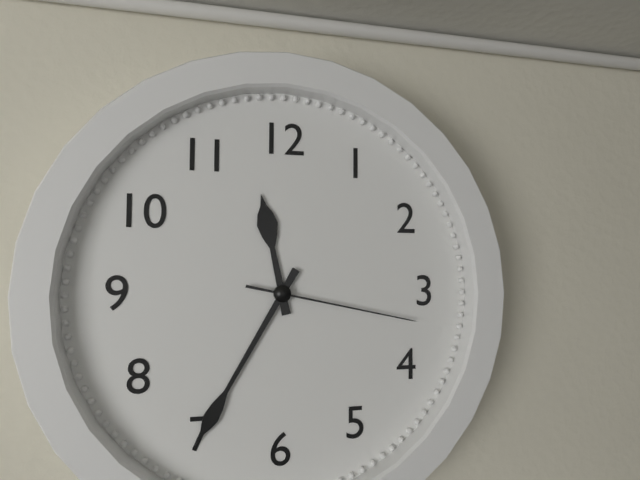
11:35:17
